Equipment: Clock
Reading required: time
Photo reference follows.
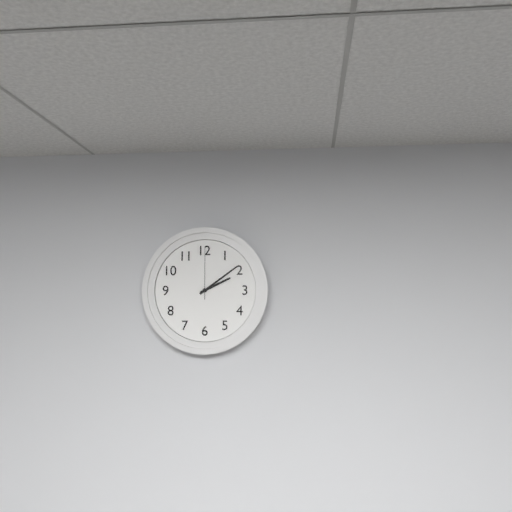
2:09:00
